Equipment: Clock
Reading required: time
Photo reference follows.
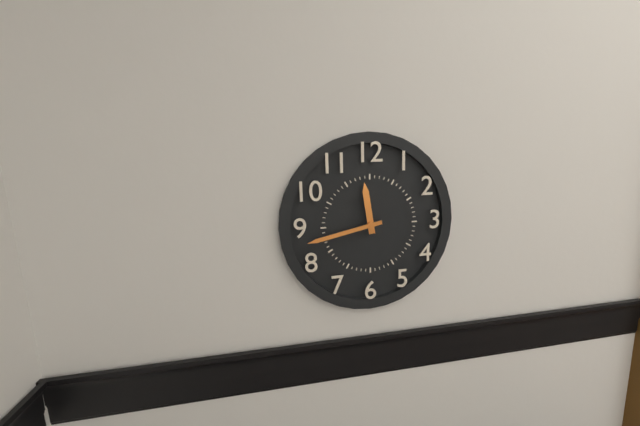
11:43
